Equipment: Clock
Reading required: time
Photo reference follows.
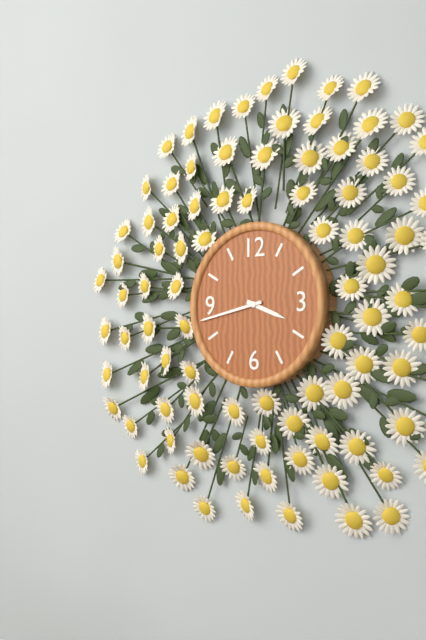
3:43
